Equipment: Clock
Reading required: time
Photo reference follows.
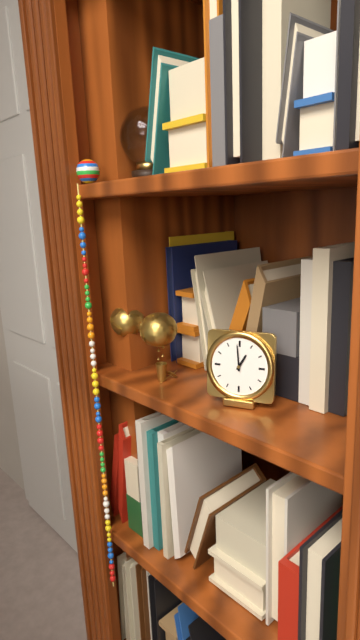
12:59
